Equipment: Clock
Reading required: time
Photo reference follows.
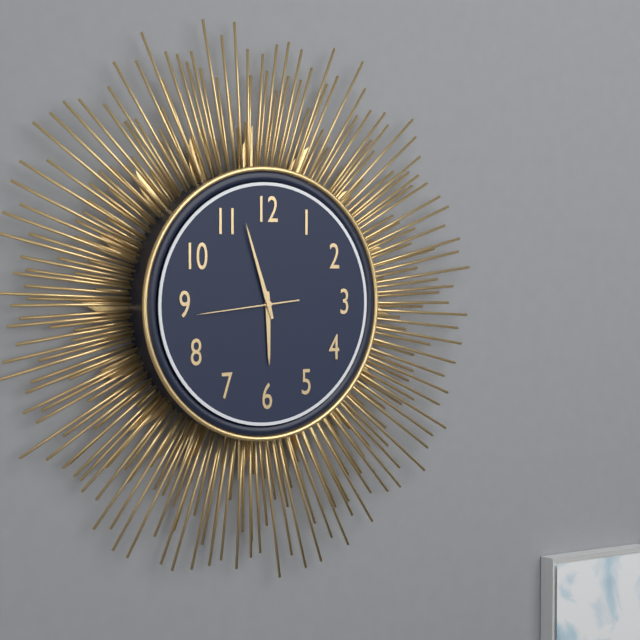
5:57:44
